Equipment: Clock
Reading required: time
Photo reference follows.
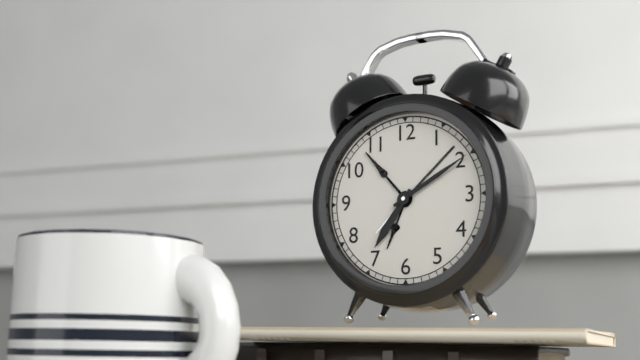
7:10
